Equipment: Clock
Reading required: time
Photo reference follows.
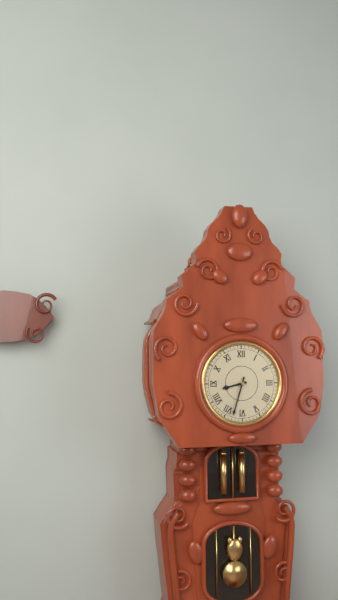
8:33
